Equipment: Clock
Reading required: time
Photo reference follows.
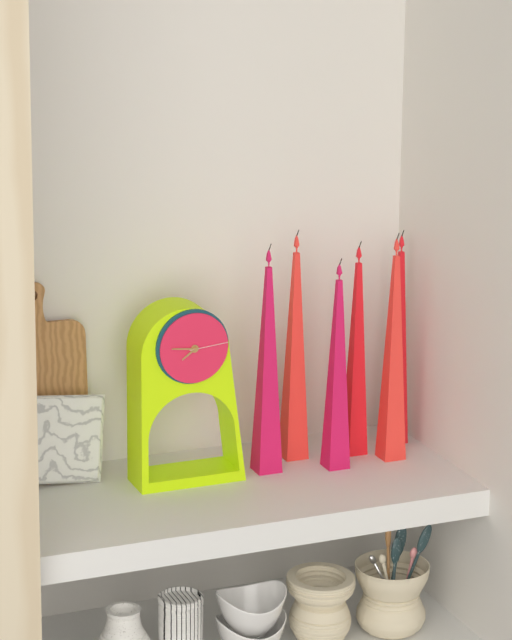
7:46
